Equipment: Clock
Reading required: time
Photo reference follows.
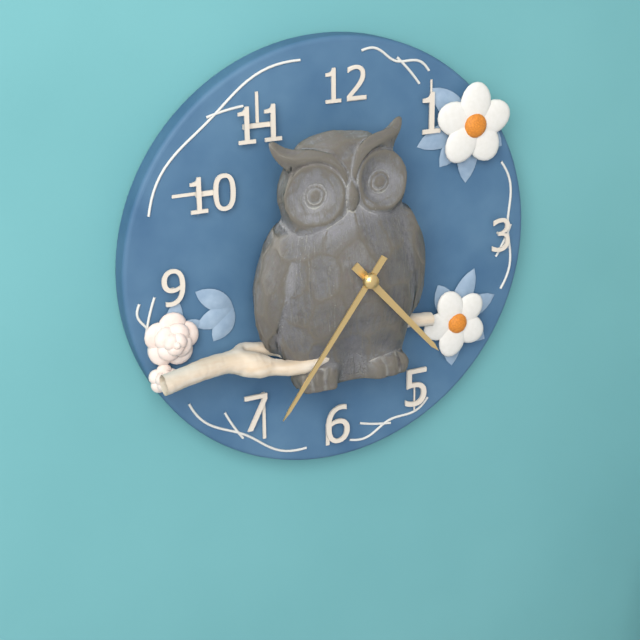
4:36
